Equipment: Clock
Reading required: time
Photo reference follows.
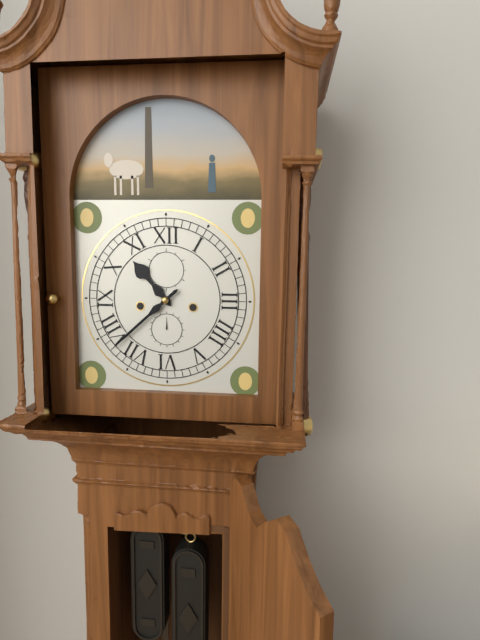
10:38
